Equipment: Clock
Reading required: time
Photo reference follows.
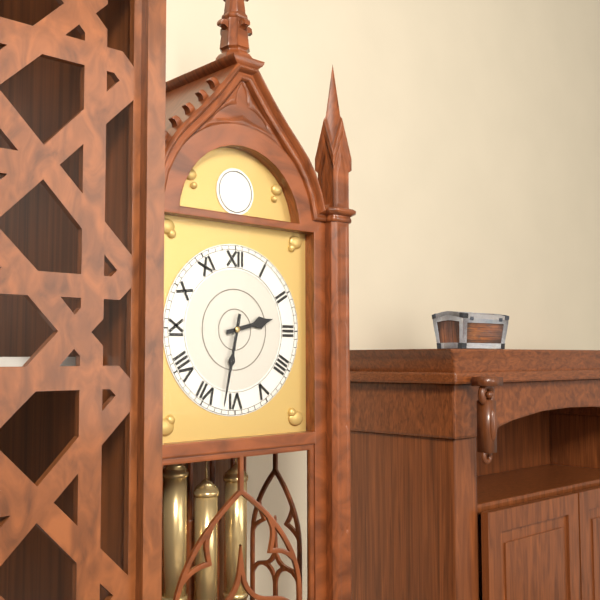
2:32
